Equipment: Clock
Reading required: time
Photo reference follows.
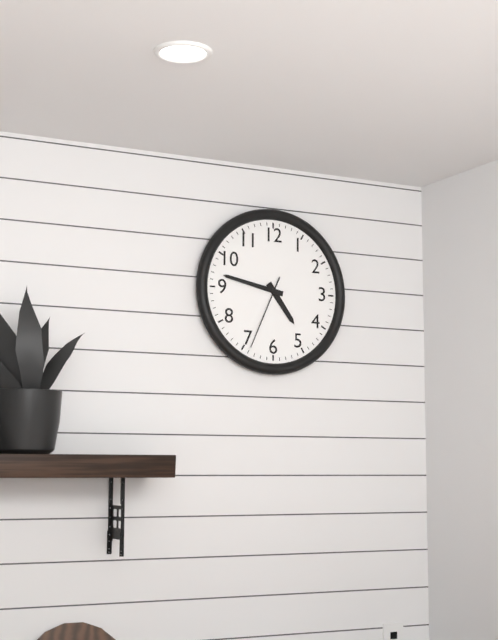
4:47:34
